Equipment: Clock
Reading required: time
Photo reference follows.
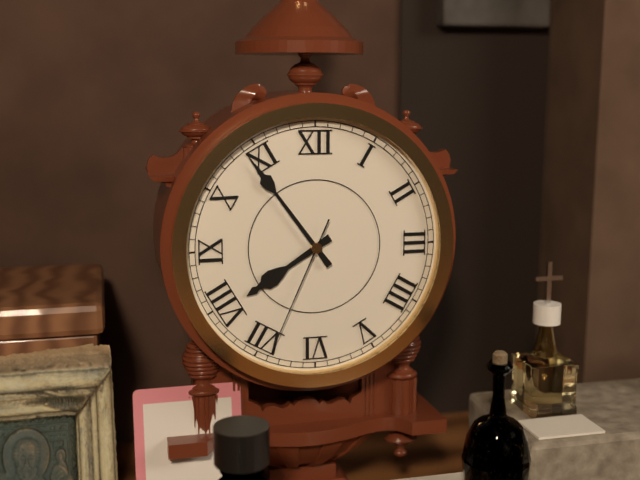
7:54:34
